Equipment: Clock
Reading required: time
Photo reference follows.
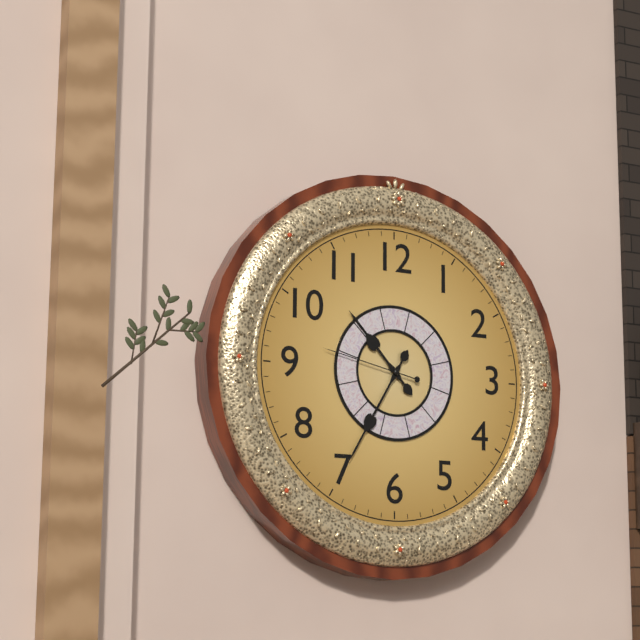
10:35:47
